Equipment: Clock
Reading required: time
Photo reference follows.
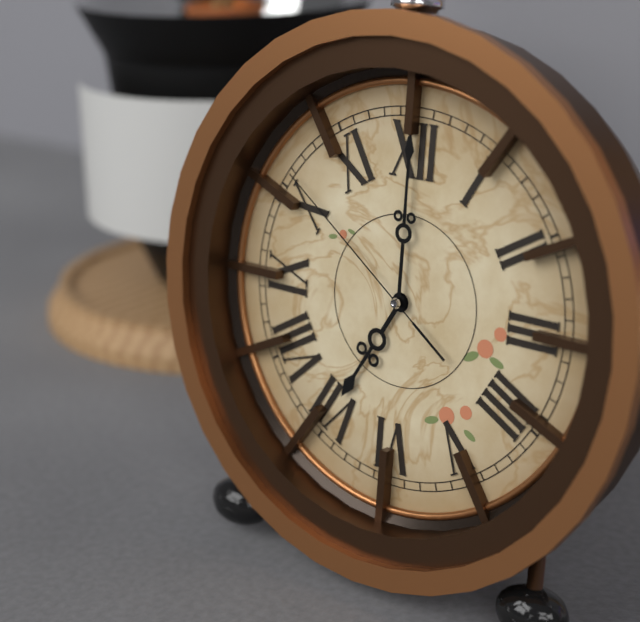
7:00:51
